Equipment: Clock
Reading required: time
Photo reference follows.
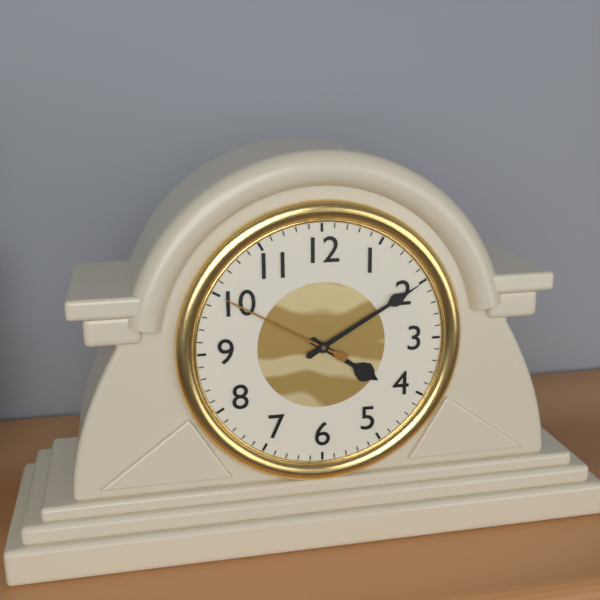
4:10:50
